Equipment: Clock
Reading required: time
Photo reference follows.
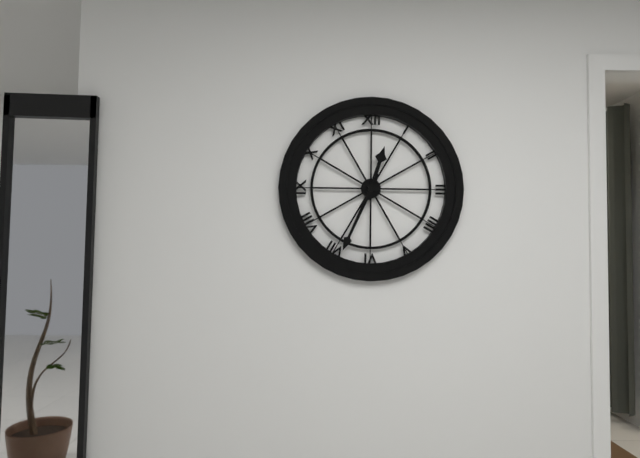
12:34
